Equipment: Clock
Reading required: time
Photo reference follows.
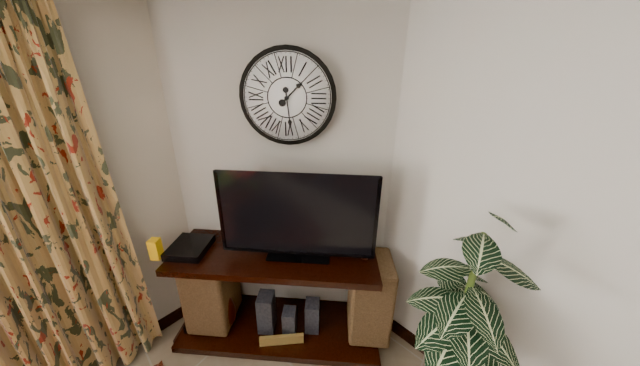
1:29
